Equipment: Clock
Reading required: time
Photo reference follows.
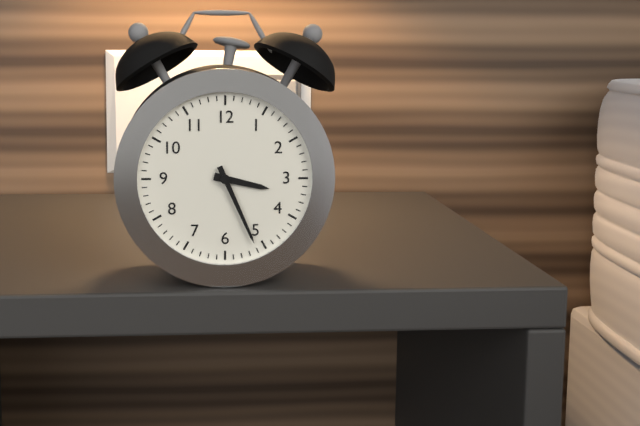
3:26
